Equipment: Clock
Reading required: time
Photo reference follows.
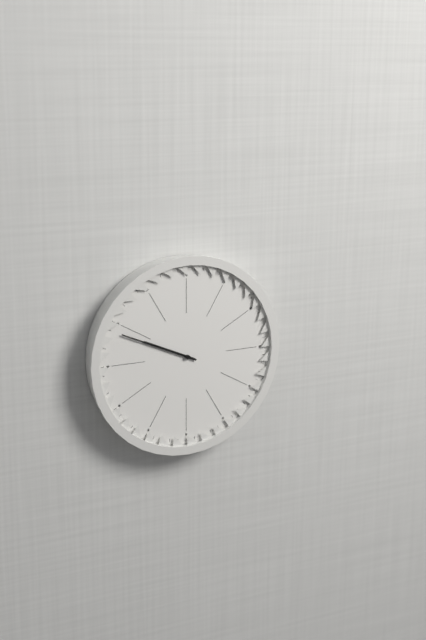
9:49
